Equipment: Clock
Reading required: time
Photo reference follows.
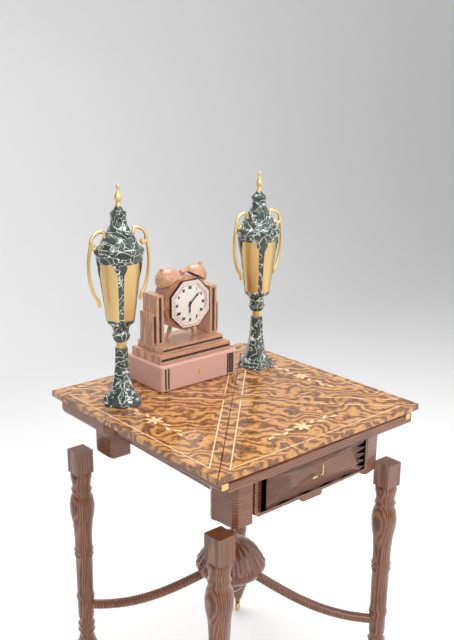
6:08
